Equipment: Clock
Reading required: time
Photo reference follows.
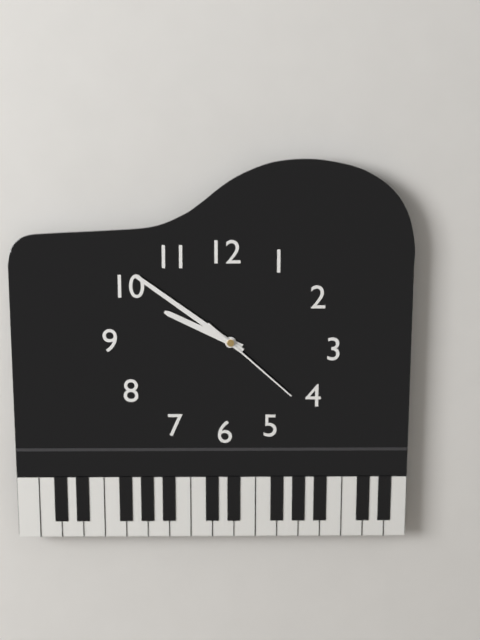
9:51:22
